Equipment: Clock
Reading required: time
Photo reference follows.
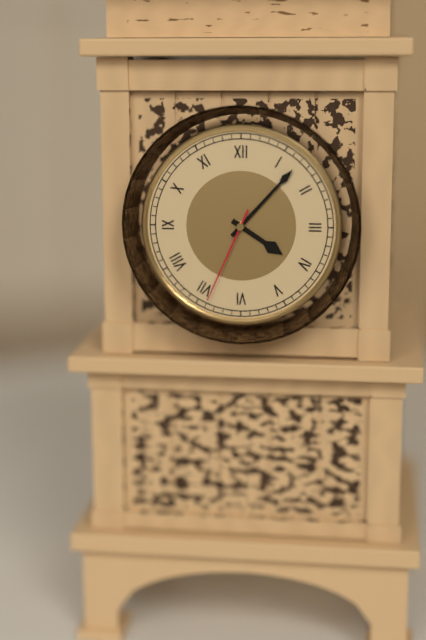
4:07:34
